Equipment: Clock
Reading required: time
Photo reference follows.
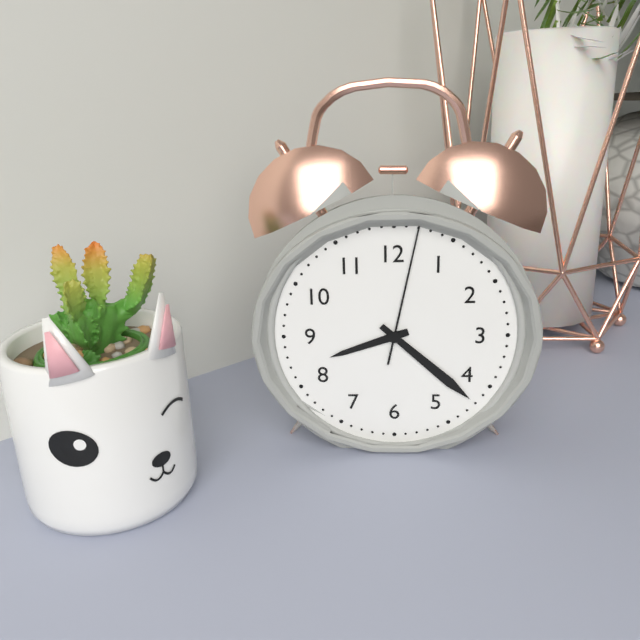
8:22:02
